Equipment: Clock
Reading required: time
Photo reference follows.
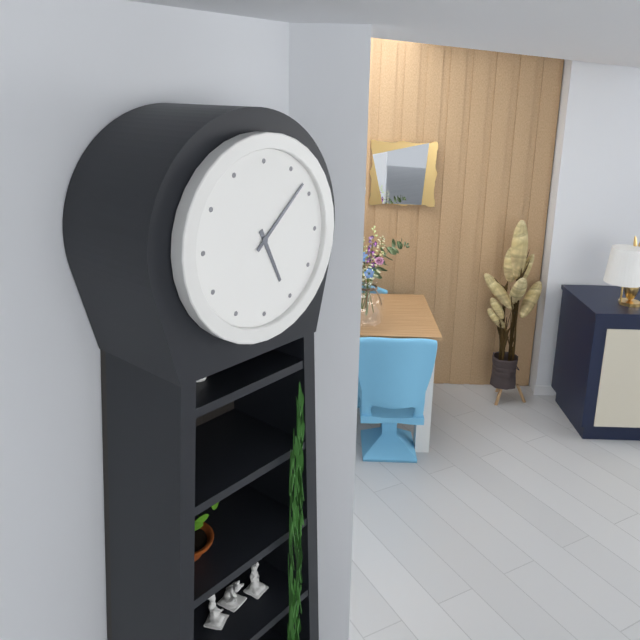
5:08
